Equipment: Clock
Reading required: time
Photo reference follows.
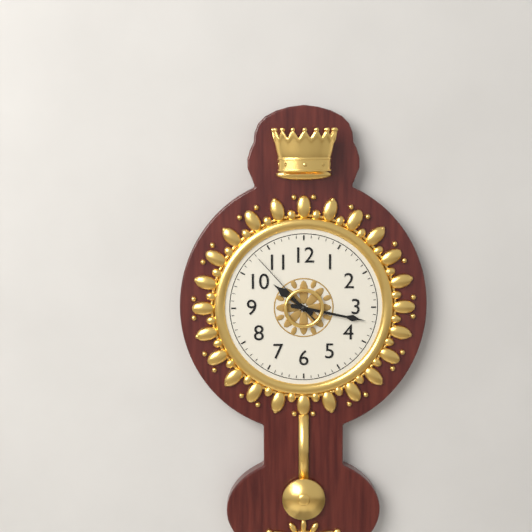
10:17:53
